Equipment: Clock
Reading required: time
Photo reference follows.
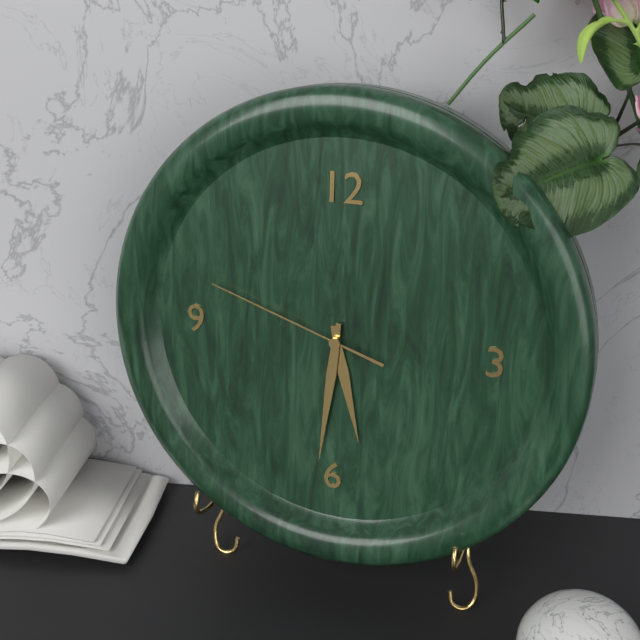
5:31:48
